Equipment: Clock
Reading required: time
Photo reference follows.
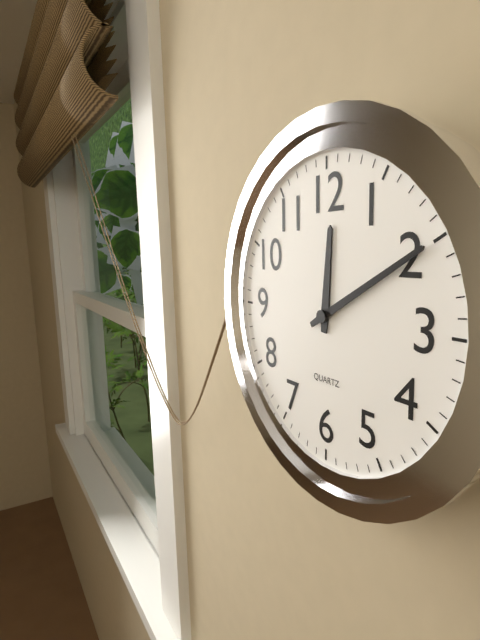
12:10
